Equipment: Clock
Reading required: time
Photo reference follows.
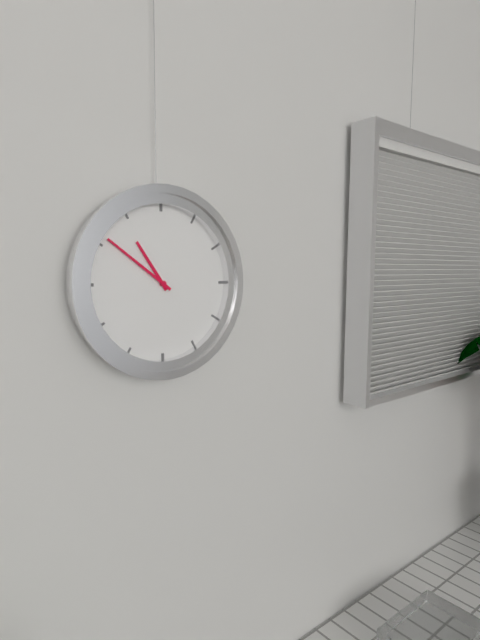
10:51
